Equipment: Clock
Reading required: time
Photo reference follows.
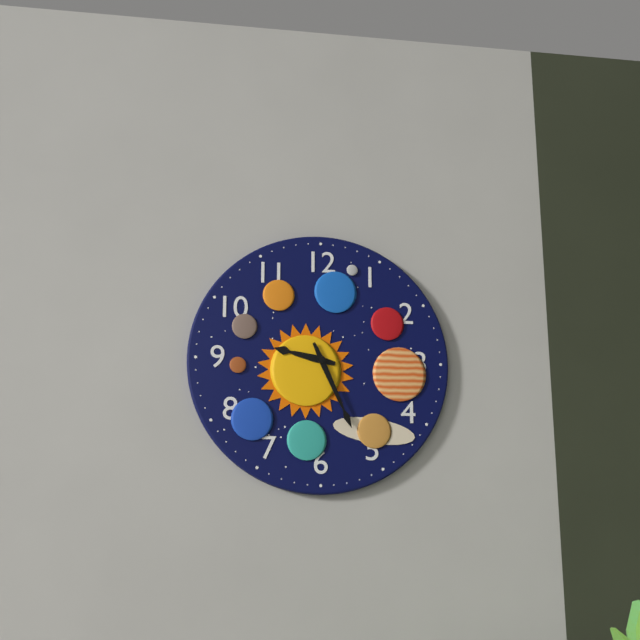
9:26
